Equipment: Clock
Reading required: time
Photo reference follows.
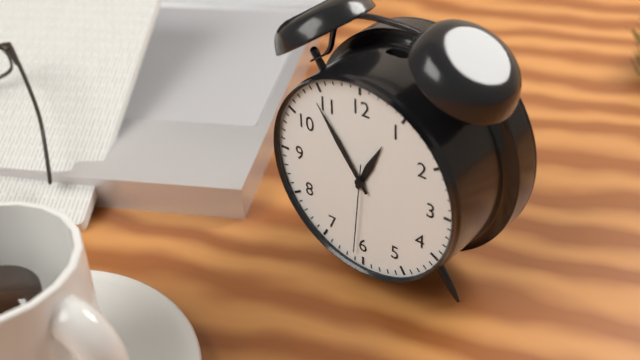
12:54:31
